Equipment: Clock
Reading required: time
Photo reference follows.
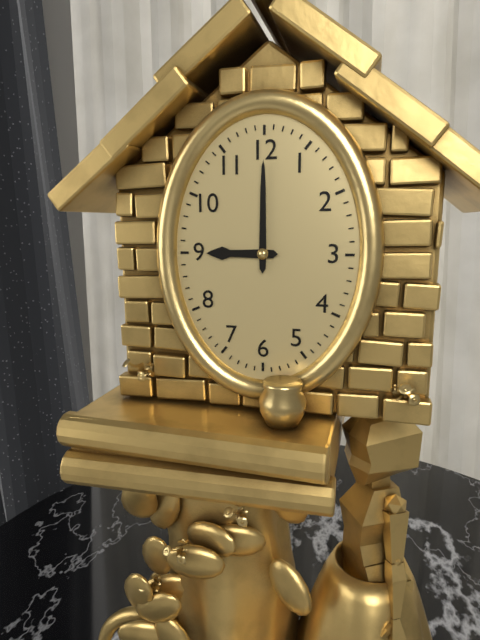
9:00
